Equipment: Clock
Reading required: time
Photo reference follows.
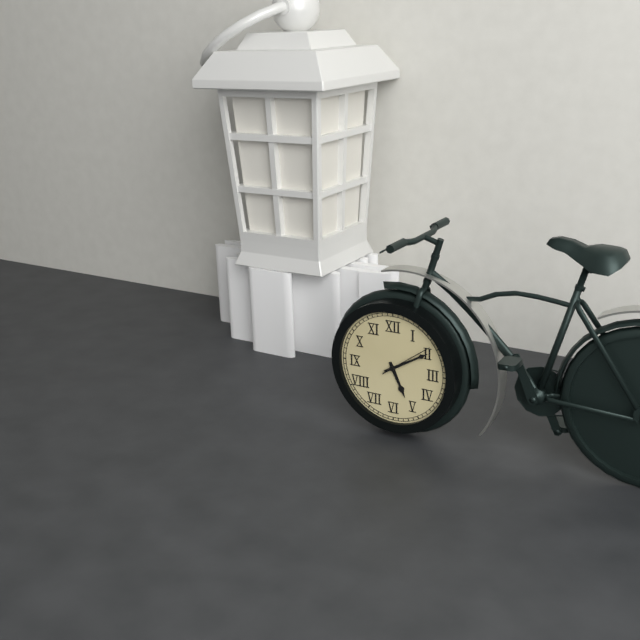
5:10:09
